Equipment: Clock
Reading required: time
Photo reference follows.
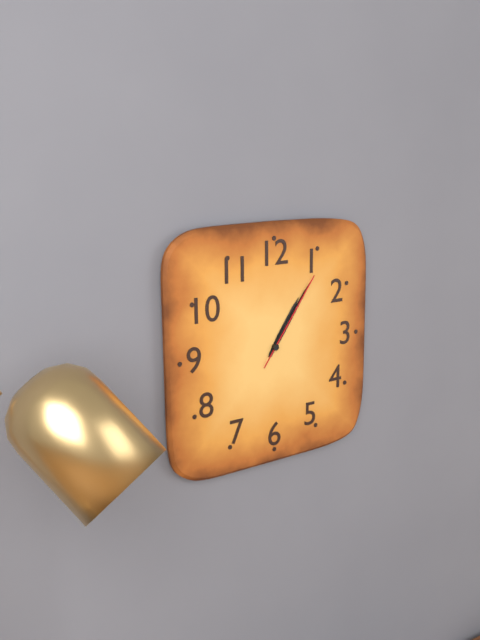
1:06:06
